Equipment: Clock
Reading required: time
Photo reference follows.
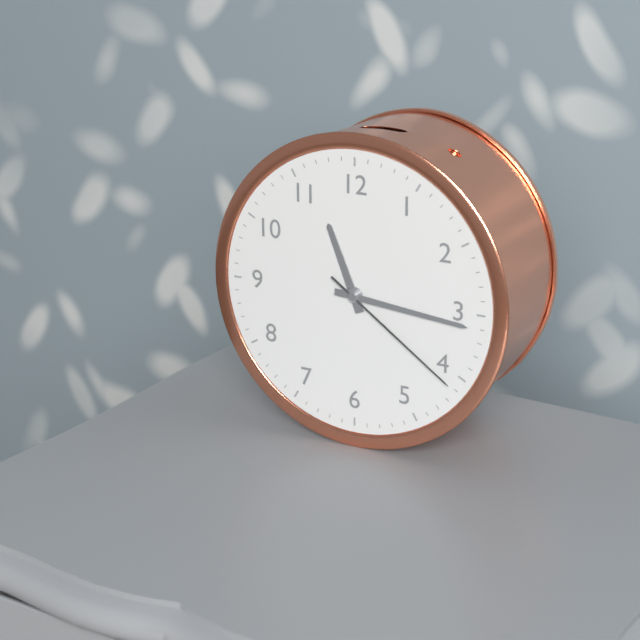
11:16:21
